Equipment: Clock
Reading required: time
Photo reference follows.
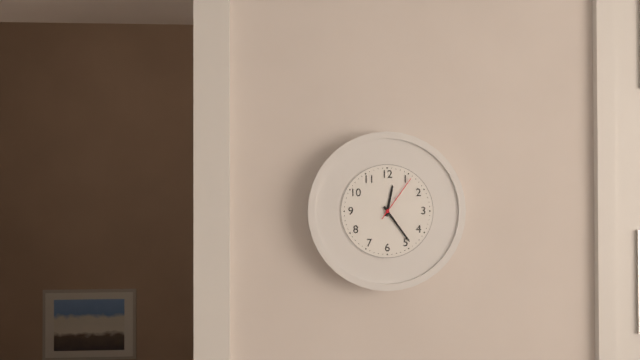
12:24:06
